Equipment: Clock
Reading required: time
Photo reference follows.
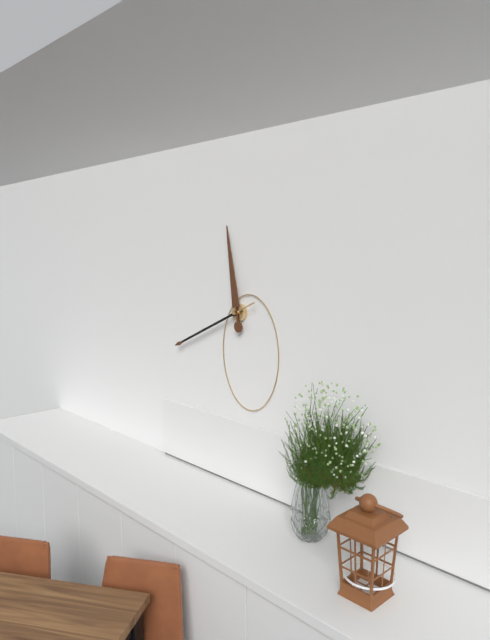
11:41
